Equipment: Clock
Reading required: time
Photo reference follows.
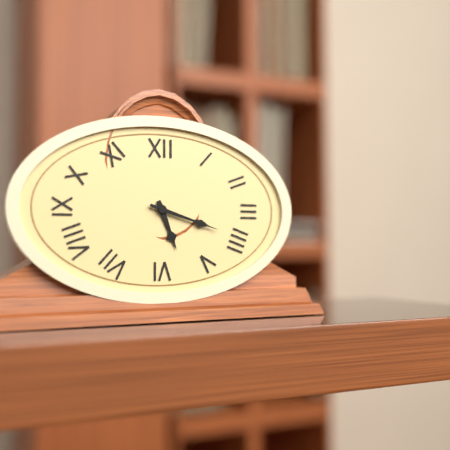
5:18
